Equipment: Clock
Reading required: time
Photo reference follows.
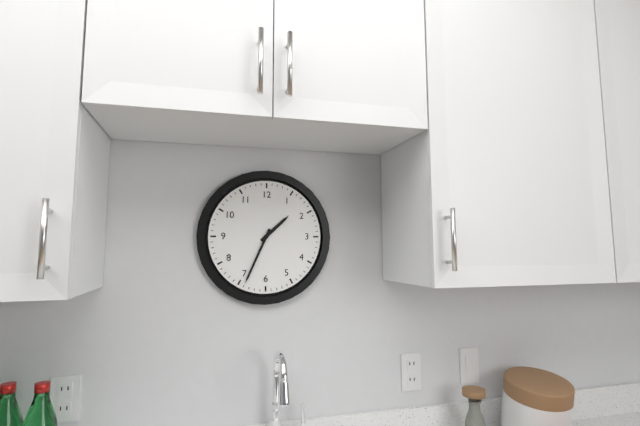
1:34
